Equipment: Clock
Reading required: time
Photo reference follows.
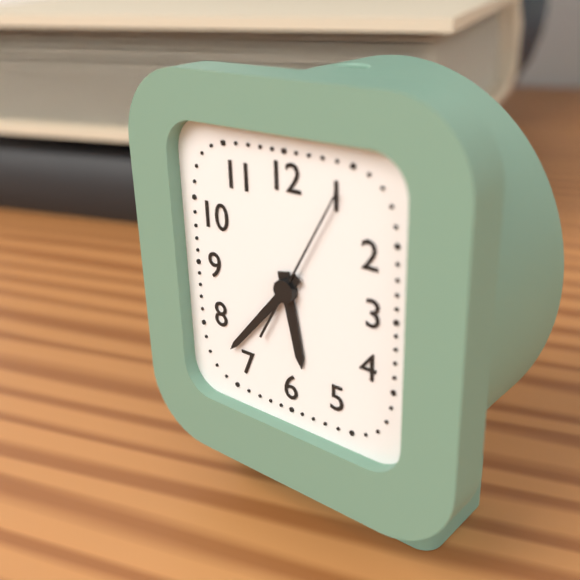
5:37:05
